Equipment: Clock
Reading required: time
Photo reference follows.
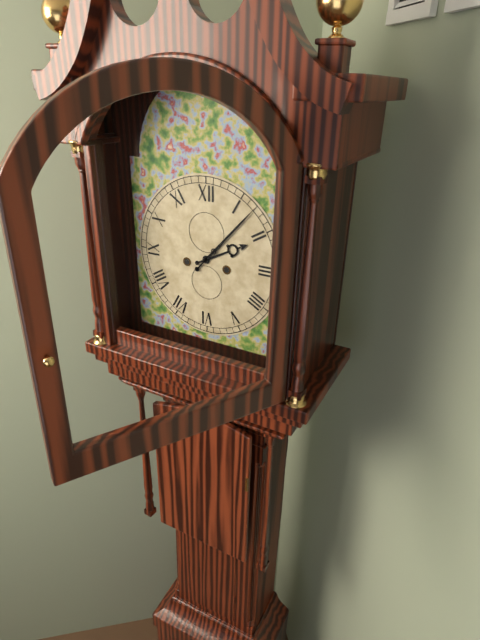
2:07
